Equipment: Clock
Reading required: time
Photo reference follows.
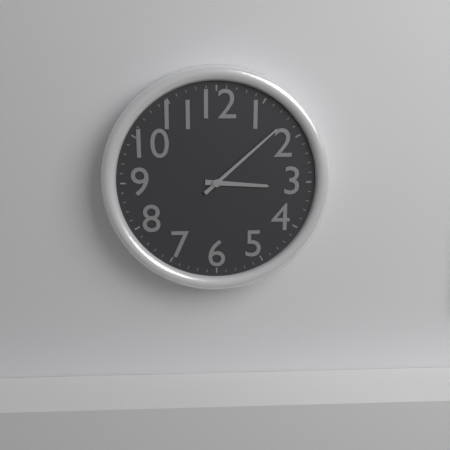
3:08
